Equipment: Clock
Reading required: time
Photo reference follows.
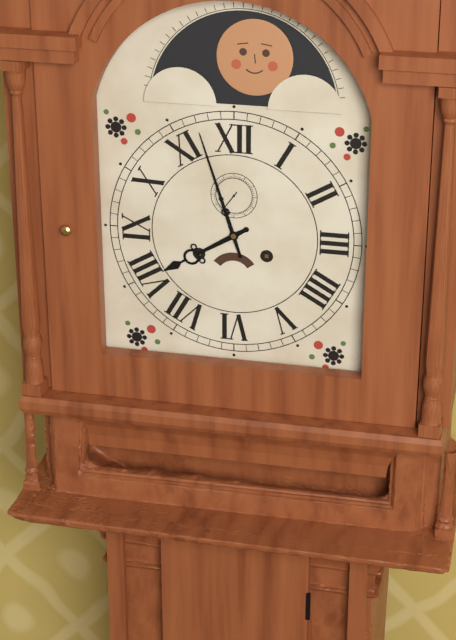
7:57
